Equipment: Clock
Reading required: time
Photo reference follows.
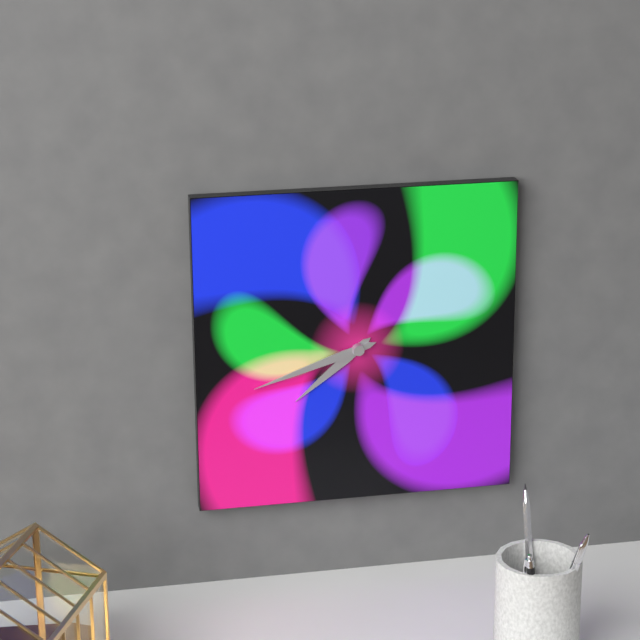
7:42
